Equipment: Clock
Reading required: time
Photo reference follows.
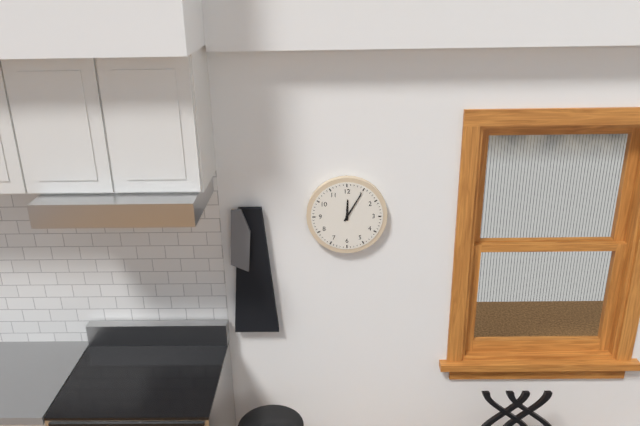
12:05
